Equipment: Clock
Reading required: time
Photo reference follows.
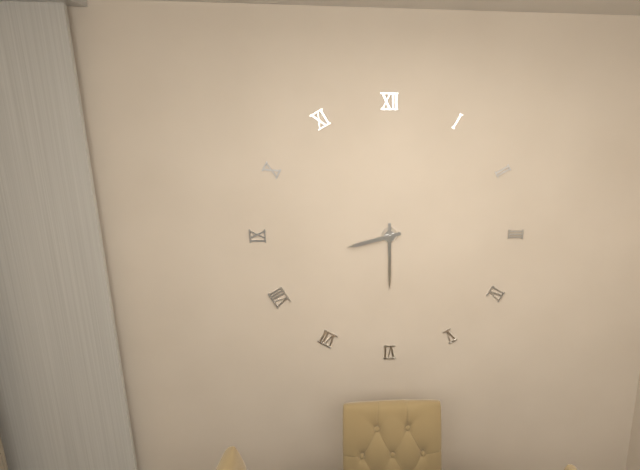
8:30
